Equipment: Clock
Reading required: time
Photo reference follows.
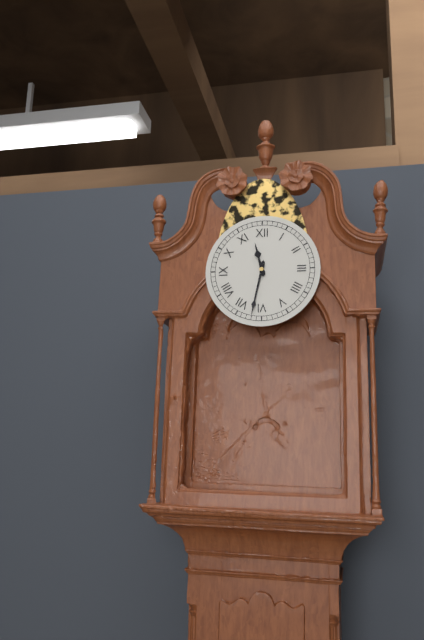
11:32
